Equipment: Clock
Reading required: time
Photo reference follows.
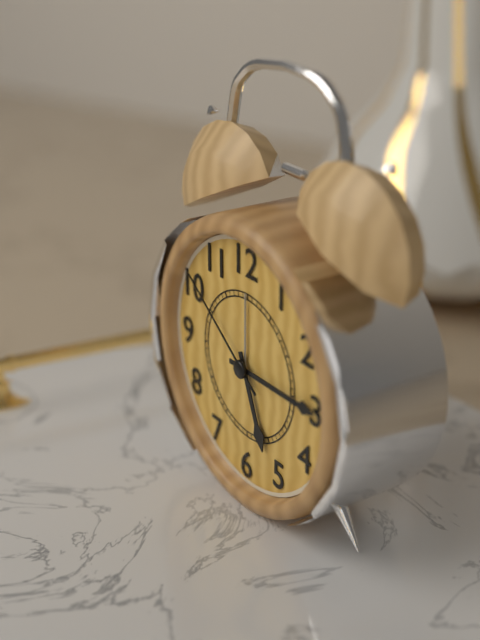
5:15:51
